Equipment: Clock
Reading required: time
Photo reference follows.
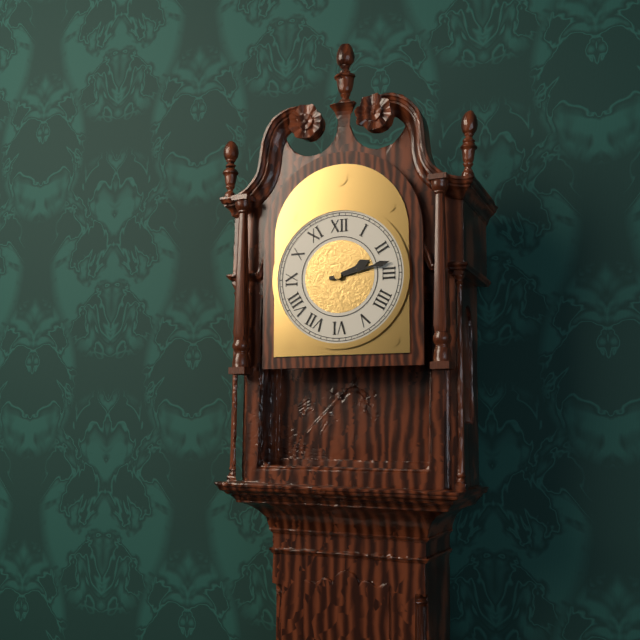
2:13
